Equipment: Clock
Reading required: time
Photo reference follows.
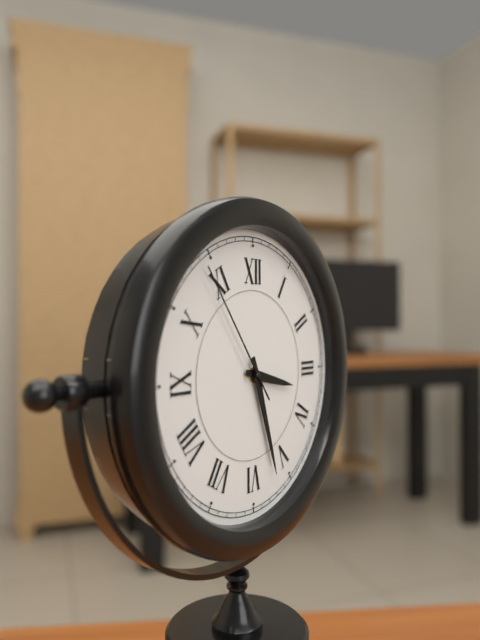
3:27:54
